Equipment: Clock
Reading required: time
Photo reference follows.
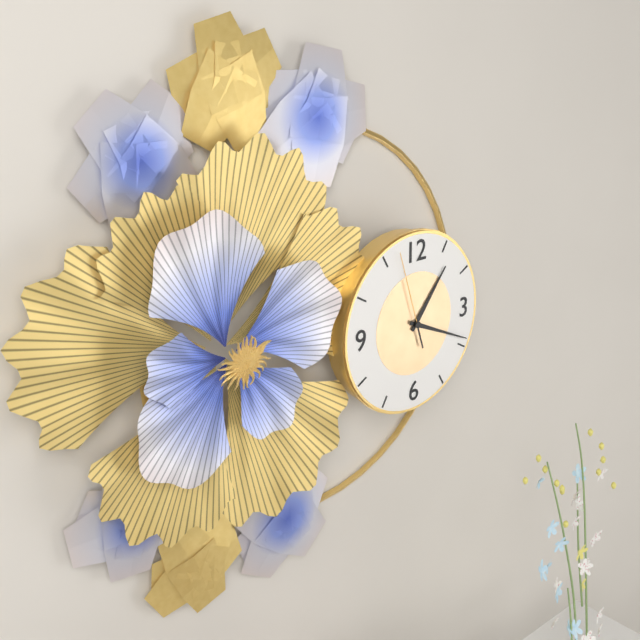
1:19:57
